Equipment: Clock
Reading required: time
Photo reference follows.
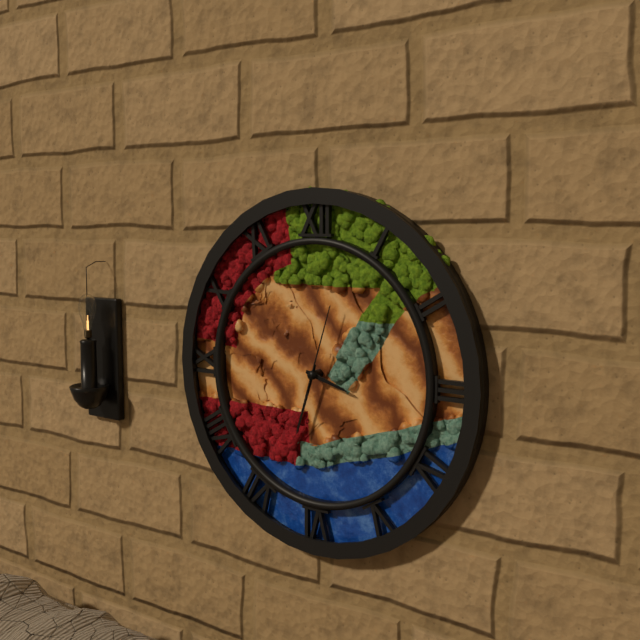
3:33:03
